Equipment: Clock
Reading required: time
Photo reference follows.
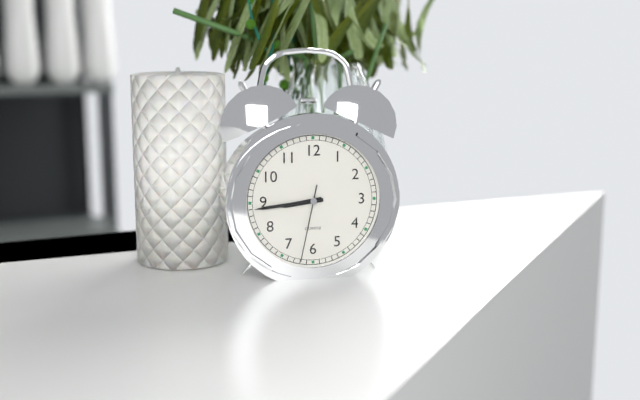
8:44:32
